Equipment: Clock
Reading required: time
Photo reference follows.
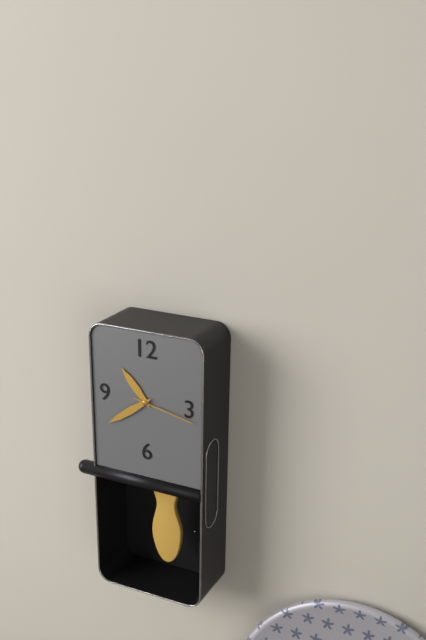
10:39:17
